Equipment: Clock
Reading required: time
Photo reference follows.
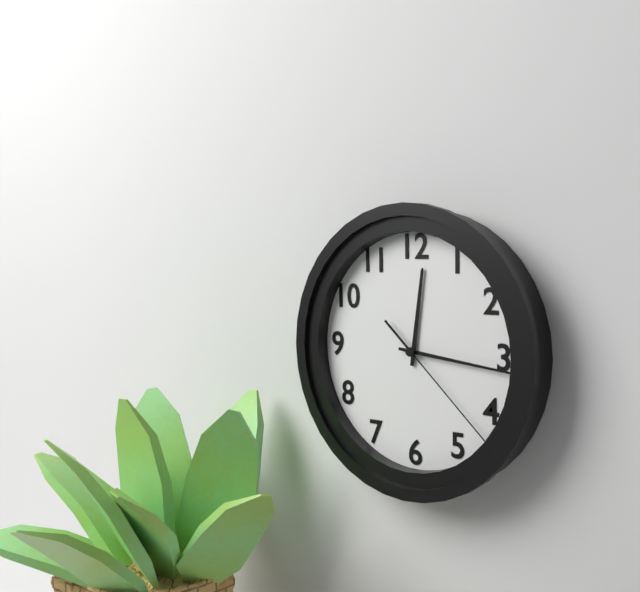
12:16:22
